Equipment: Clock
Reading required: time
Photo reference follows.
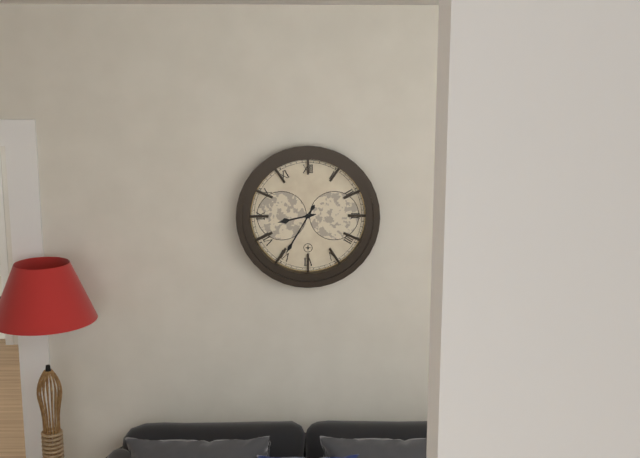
8:35
